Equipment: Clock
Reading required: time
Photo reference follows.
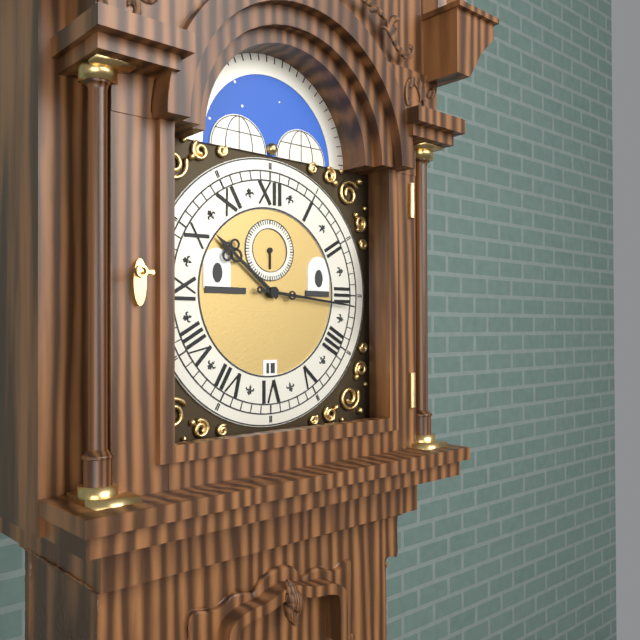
10:16
